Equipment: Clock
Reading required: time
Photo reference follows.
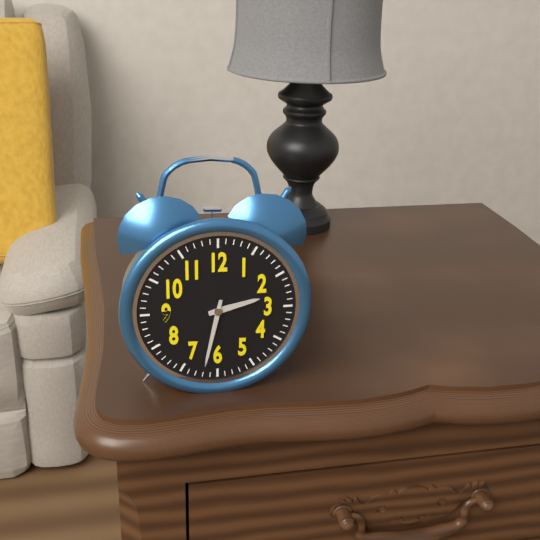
2:32
